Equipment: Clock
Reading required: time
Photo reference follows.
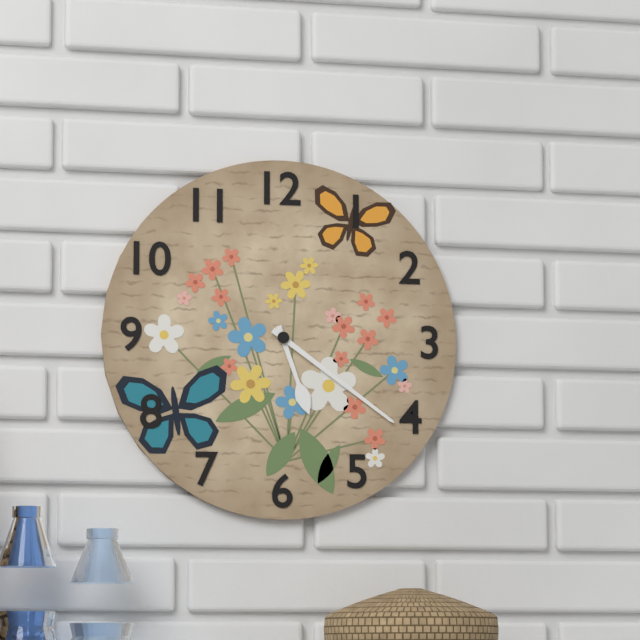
5:21
